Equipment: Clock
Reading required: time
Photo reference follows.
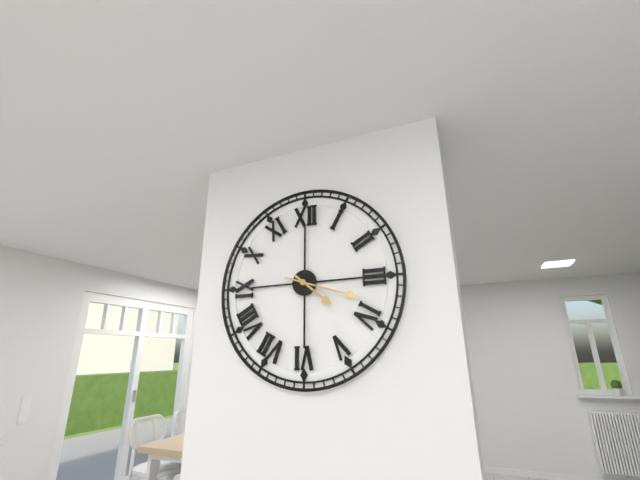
4:18
